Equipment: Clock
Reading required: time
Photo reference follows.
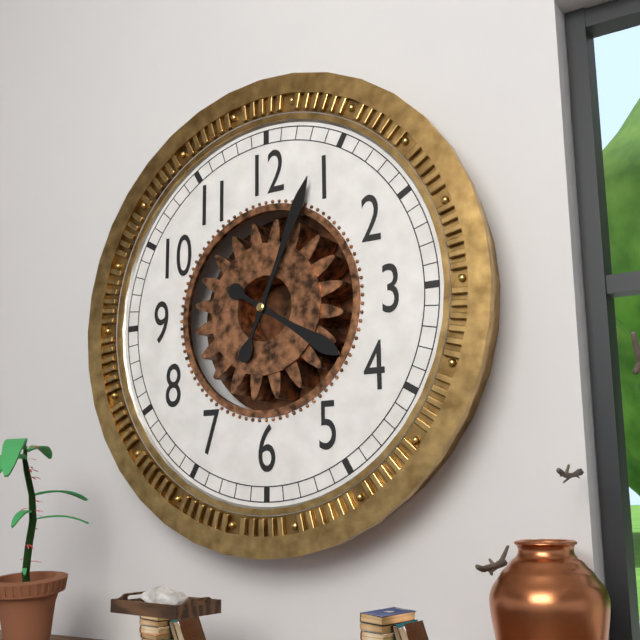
4:04
